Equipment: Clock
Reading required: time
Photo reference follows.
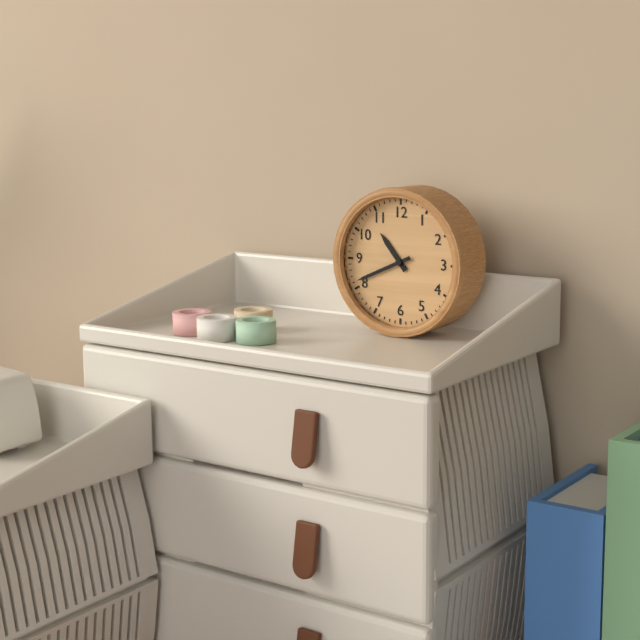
10:41
